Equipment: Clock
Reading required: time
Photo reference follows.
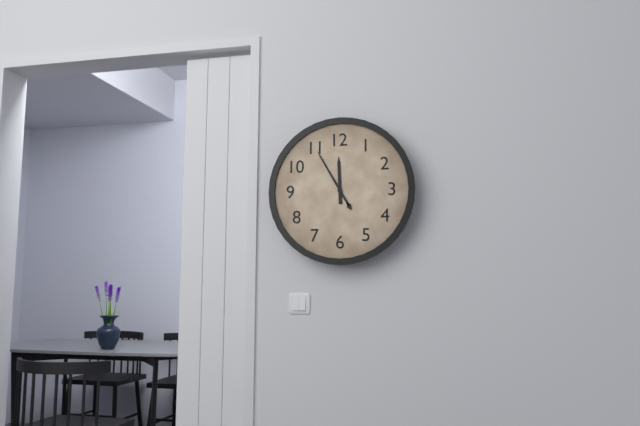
11:55
